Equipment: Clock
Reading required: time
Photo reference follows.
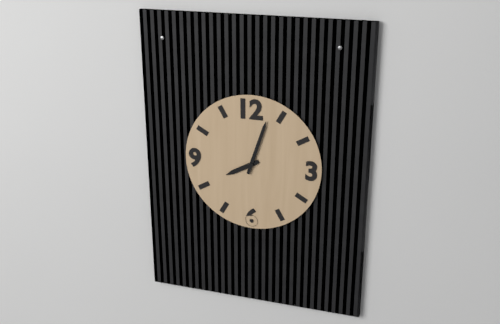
8:03
